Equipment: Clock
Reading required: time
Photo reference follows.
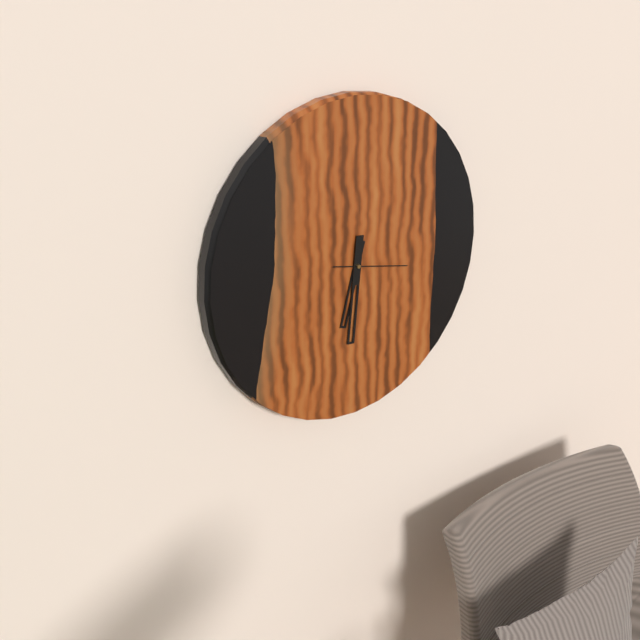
6:31:17
